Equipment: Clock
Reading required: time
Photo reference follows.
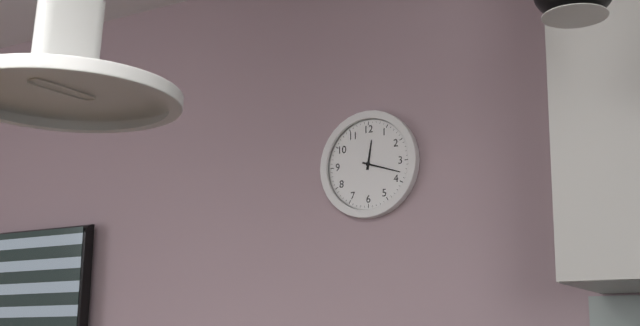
12:18
